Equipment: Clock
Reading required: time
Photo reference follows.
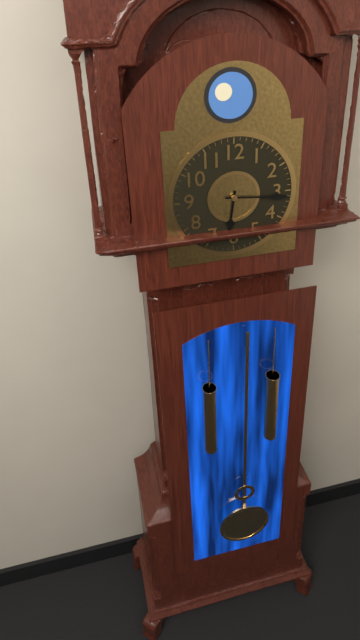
6:16
